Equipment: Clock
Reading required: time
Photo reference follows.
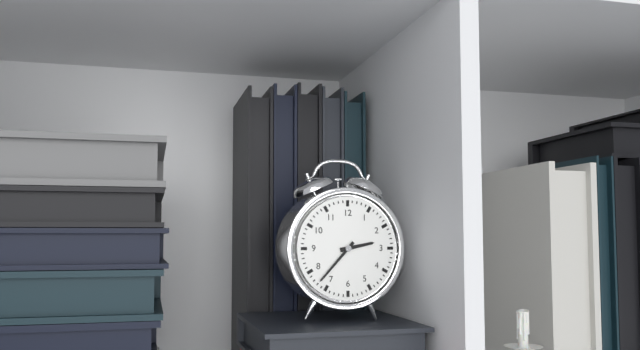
2:37
